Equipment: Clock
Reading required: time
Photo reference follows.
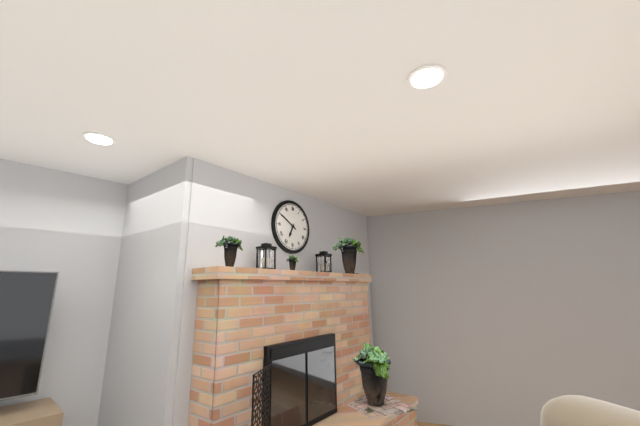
6:50
